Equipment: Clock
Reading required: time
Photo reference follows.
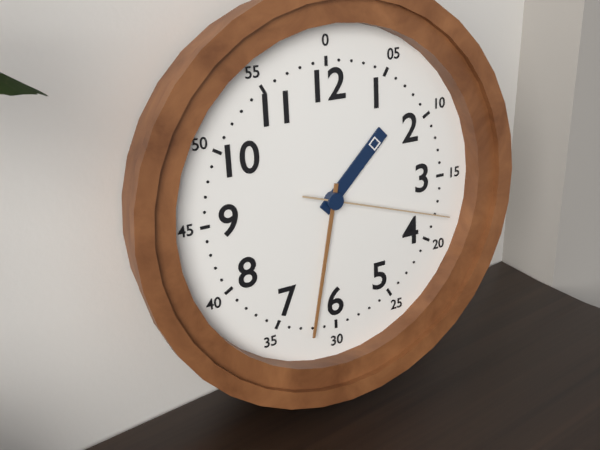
1:32:18
